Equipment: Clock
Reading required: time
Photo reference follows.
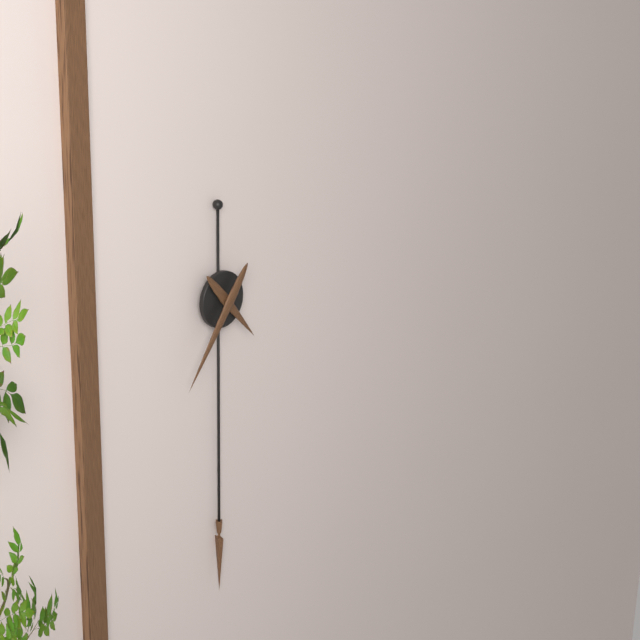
4:36
